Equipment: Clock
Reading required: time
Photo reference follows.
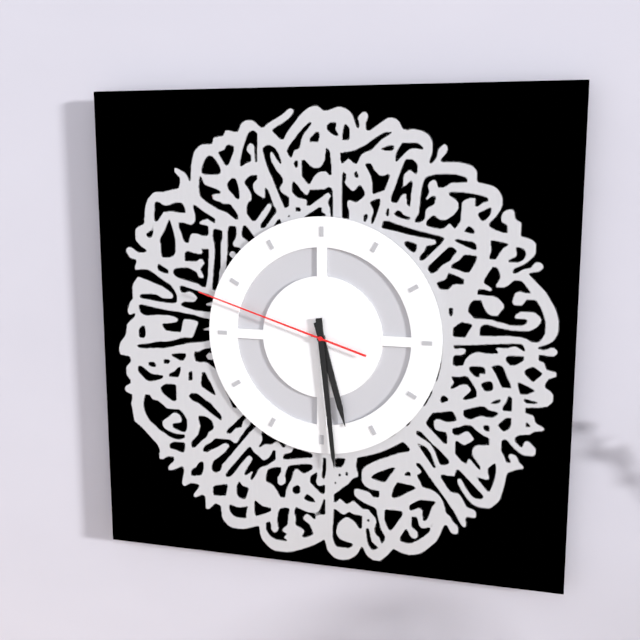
5:29:48
